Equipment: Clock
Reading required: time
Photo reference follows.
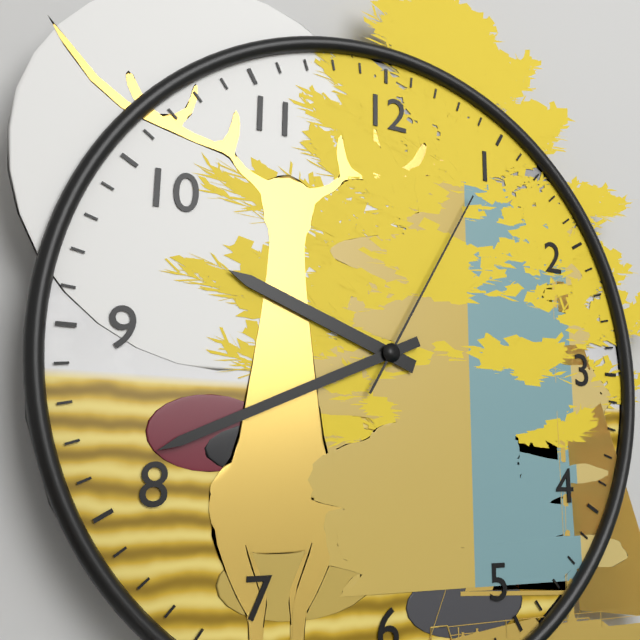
9:41:05
